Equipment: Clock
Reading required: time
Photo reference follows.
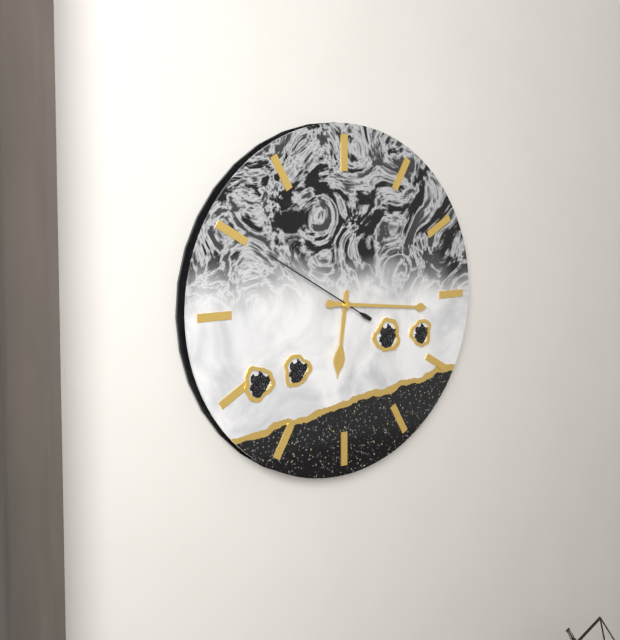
6:16:50
